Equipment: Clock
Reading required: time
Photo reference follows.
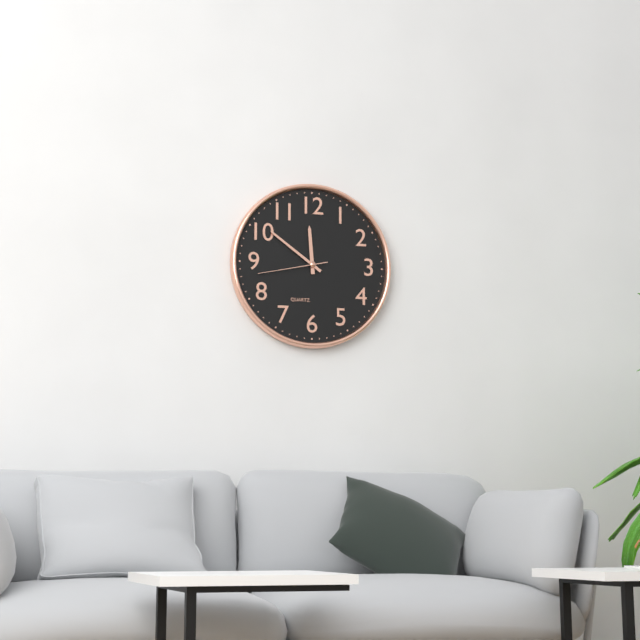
11:51:43
